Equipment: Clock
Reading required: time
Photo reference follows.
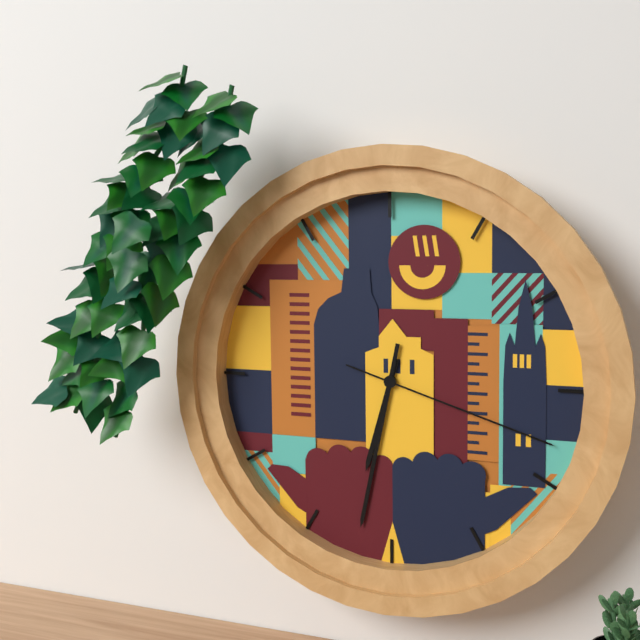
6:32:18
